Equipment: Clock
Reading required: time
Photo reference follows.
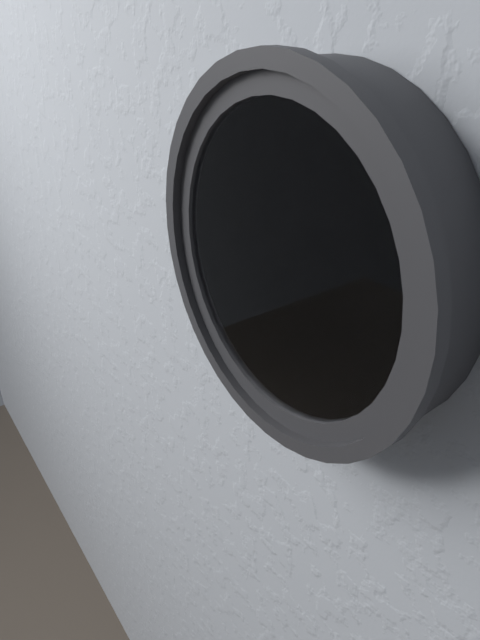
1:07:15
